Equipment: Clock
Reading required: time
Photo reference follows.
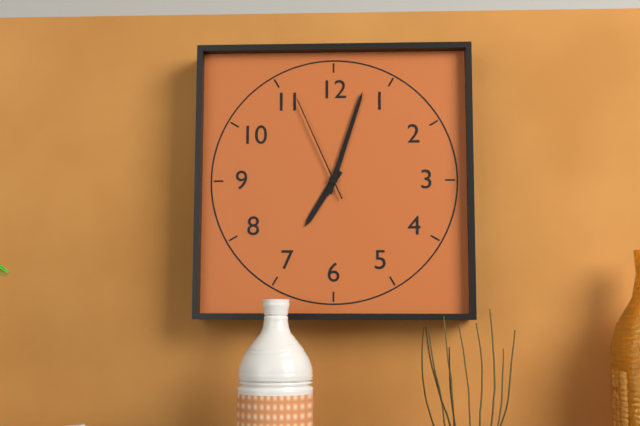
7:03:56
